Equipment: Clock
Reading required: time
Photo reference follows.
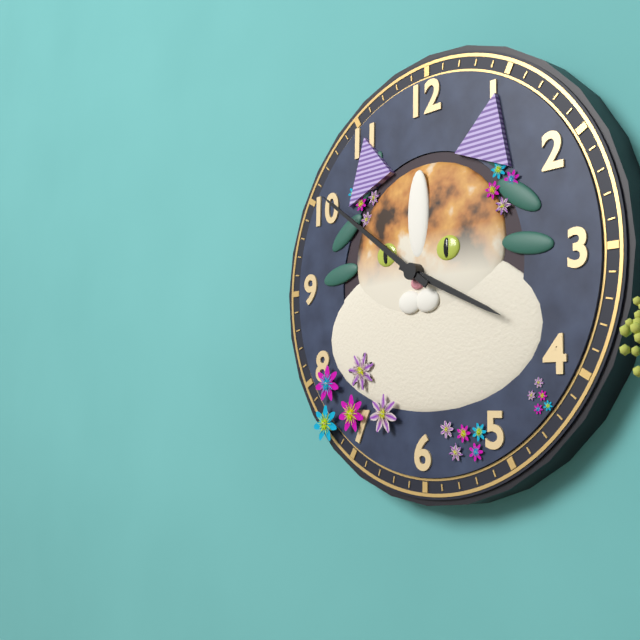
3:51
